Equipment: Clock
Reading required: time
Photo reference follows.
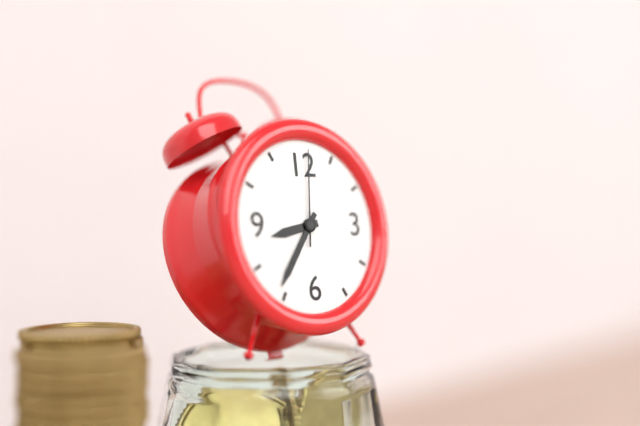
8:36:01
